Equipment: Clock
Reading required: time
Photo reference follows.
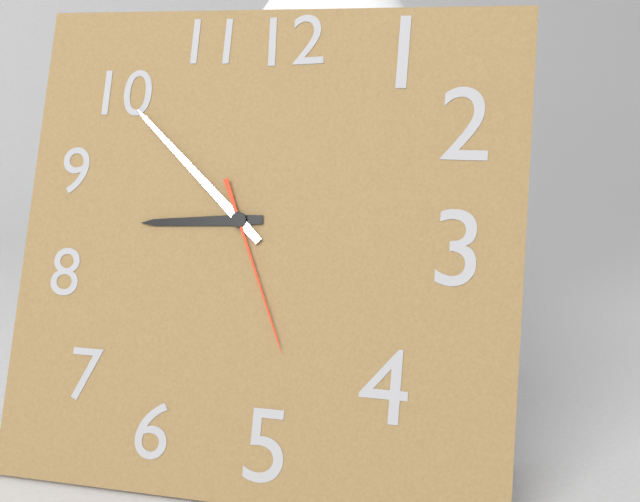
8:52:26
